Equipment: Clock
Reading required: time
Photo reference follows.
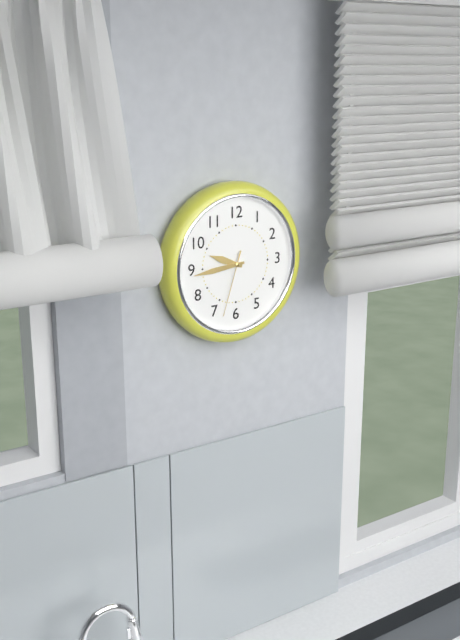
9:44:33
